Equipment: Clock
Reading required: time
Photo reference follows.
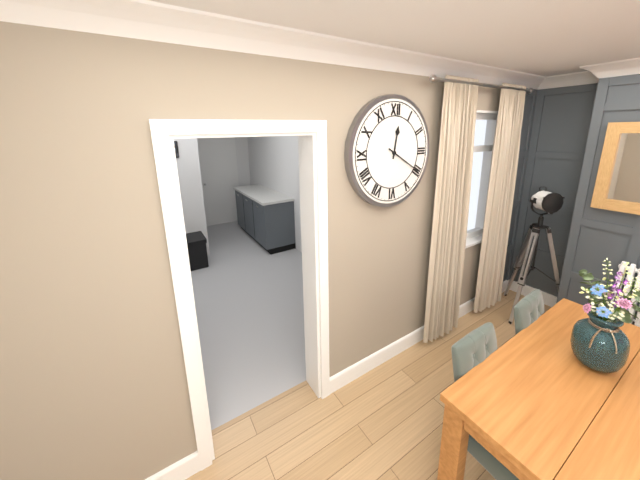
12:20
